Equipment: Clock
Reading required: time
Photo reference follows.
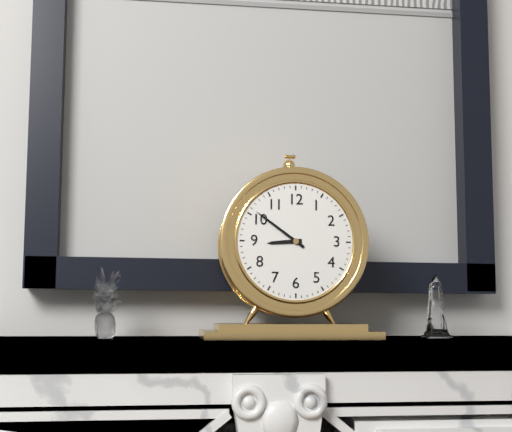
8:51
